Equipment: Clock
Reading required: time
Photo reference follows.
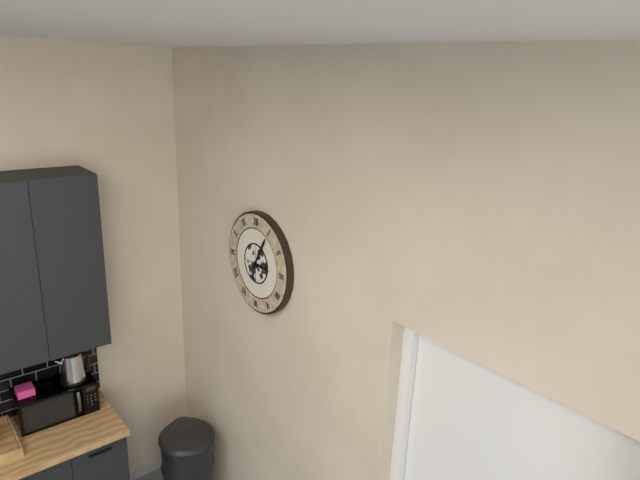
3:05
